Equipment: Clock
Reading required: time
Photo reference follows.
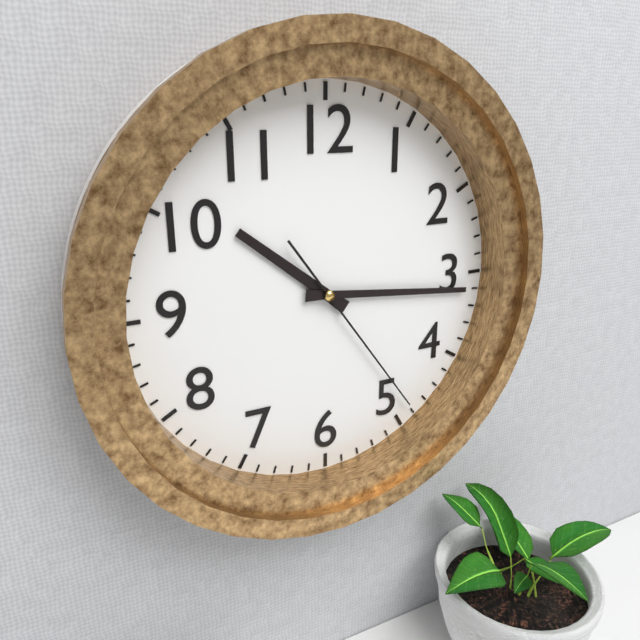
10:16:24
